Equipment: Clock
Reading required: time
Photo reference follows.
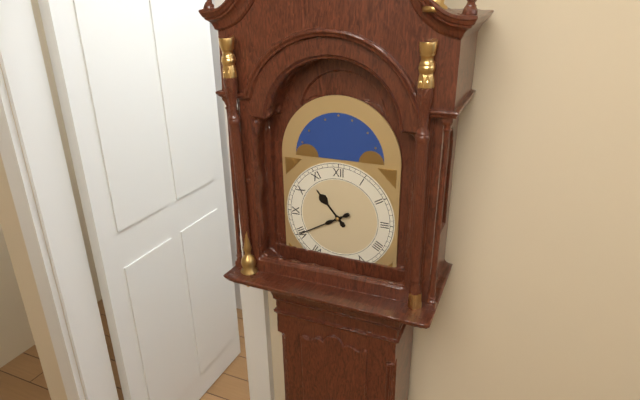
10:40
